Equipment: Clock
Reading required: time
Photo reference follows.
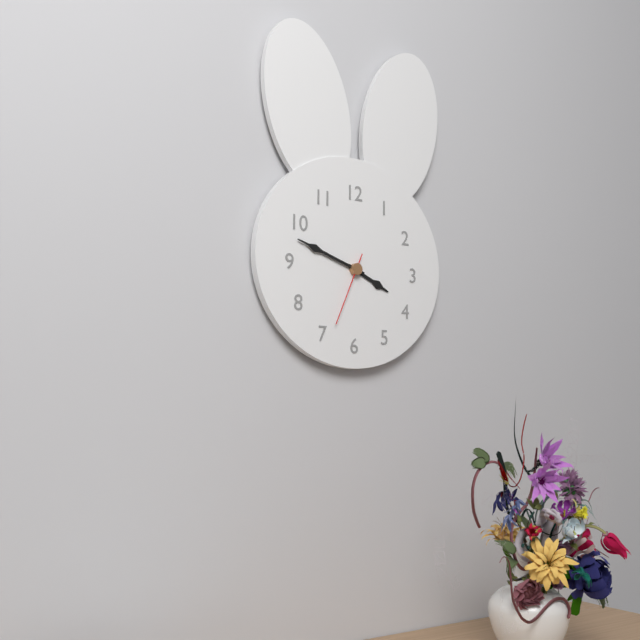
3:48:34
